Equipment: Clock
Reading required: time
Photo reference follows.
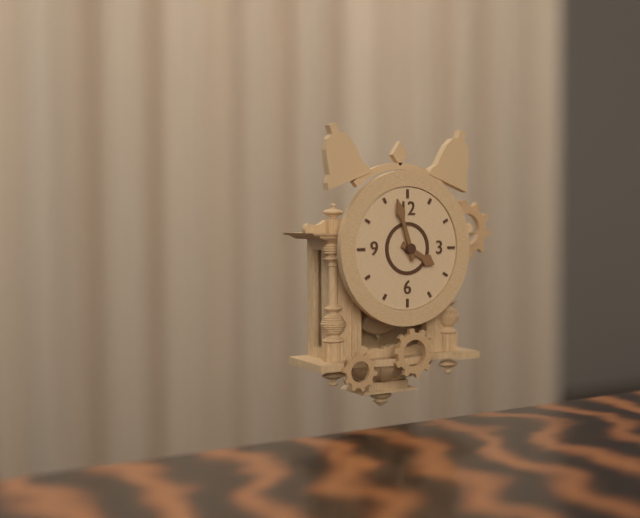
3:57
